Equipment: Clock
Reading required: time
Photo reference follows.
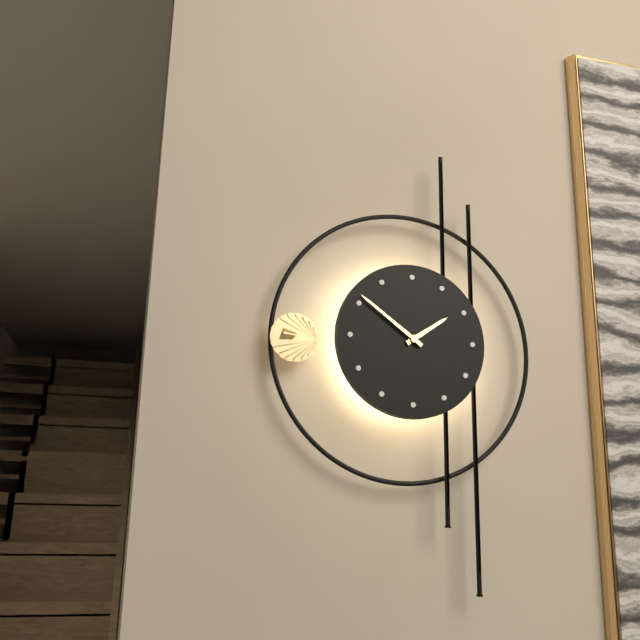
1:51
